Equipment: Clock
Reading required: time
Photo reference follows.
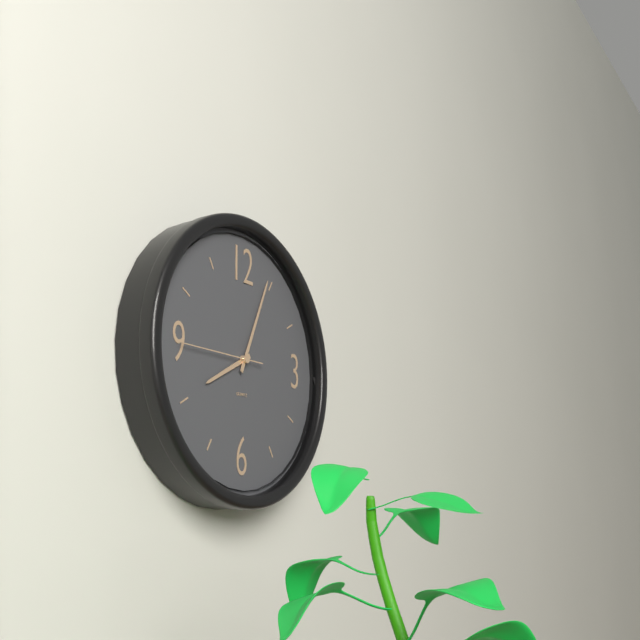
8:04:45
